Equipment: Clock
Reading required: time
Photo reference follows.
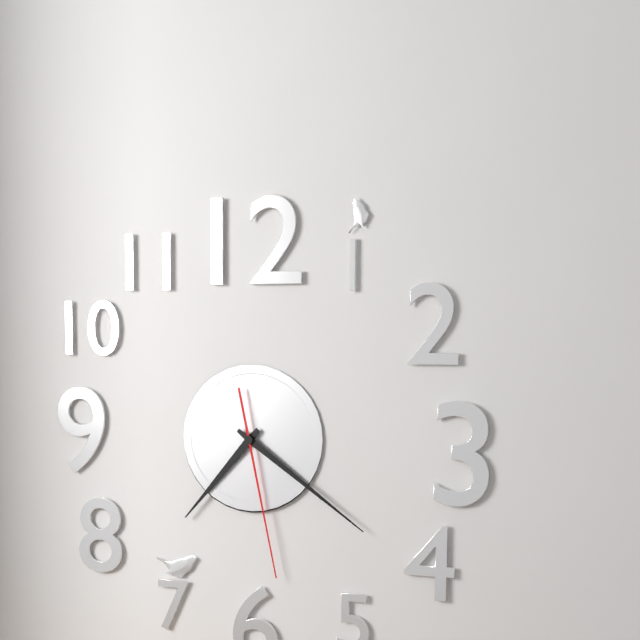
7:21:28
